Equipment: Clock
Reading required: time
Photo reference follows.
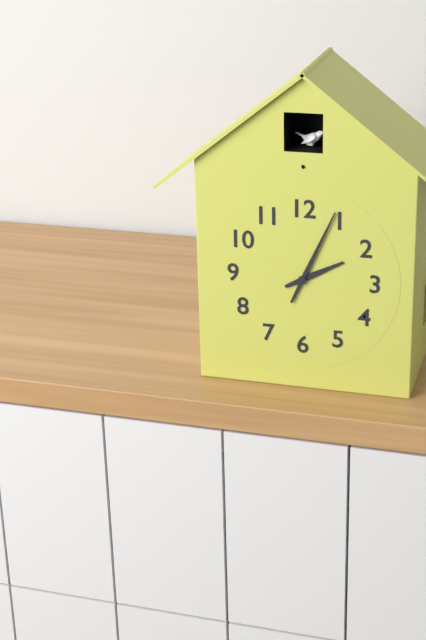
2:04
